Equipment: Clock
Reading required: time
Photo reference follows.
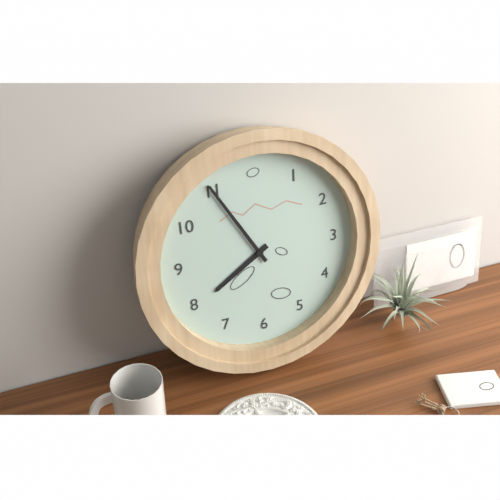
7:55
